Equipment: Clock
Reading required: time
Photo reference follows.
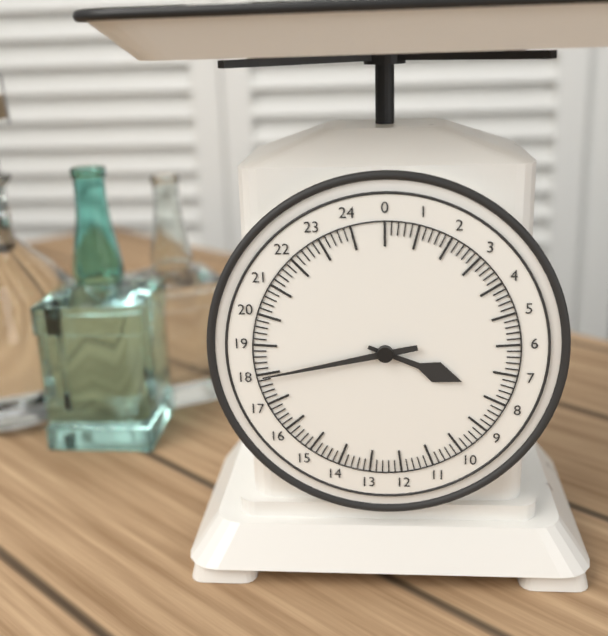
3:43
